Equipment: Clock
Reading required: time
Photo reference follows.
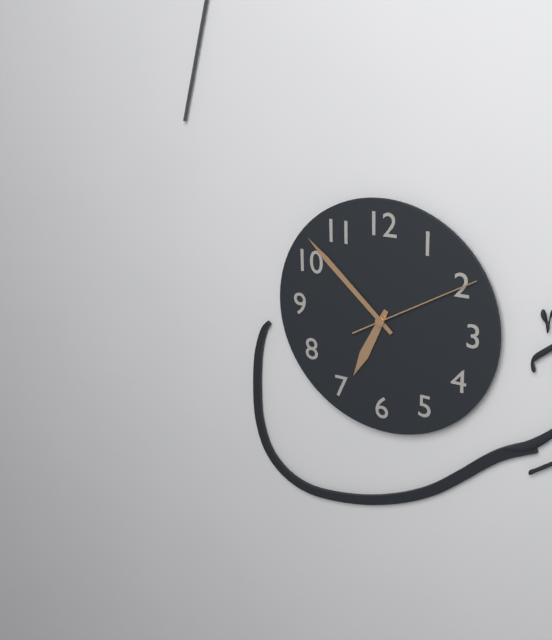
6:52:10
